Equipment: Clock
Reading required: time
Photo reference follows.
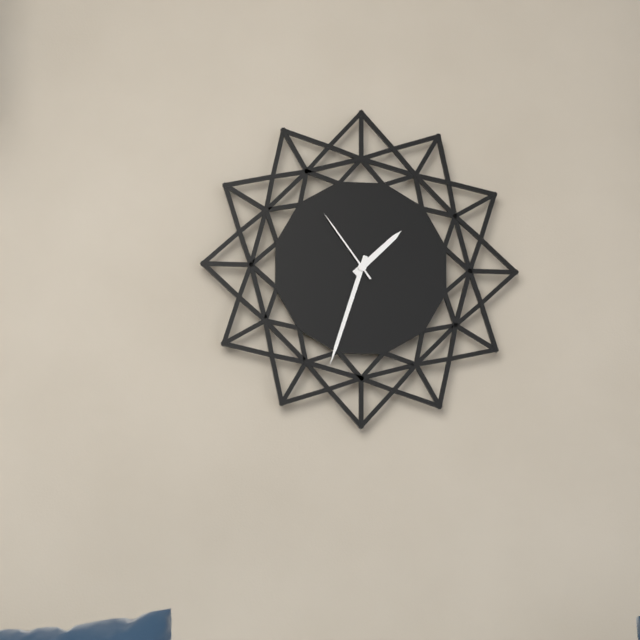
1:33:54
